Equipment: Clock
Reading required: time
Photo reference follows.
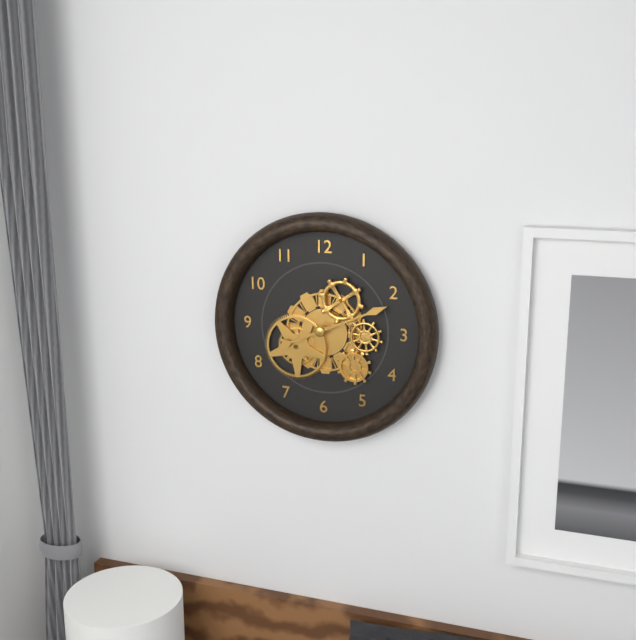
8:11
